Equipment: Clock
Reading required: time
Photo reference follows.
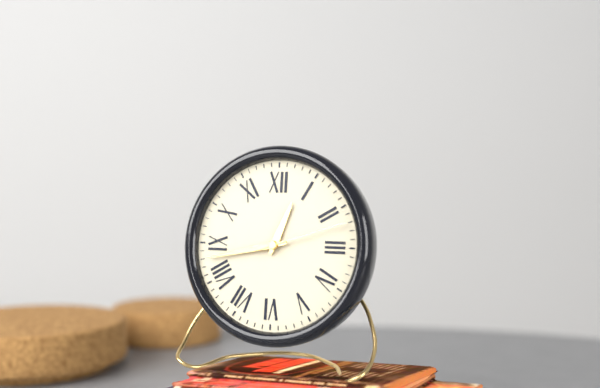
12:43:12
